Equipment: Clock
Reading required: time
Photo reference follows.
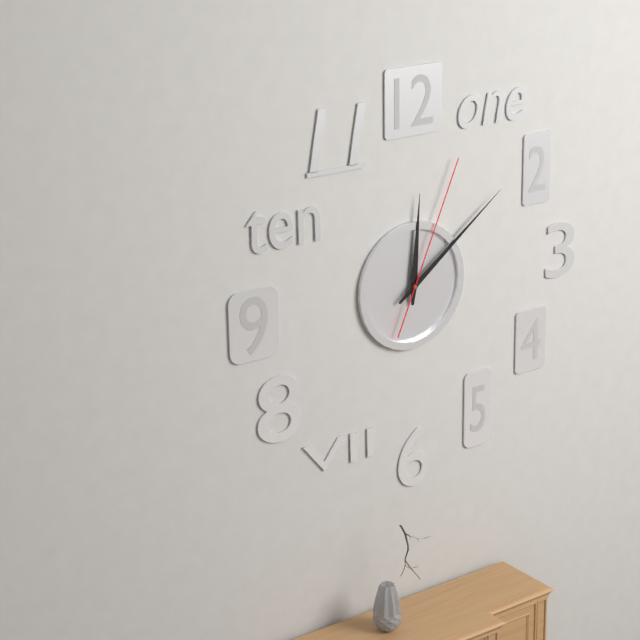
12:09:04
